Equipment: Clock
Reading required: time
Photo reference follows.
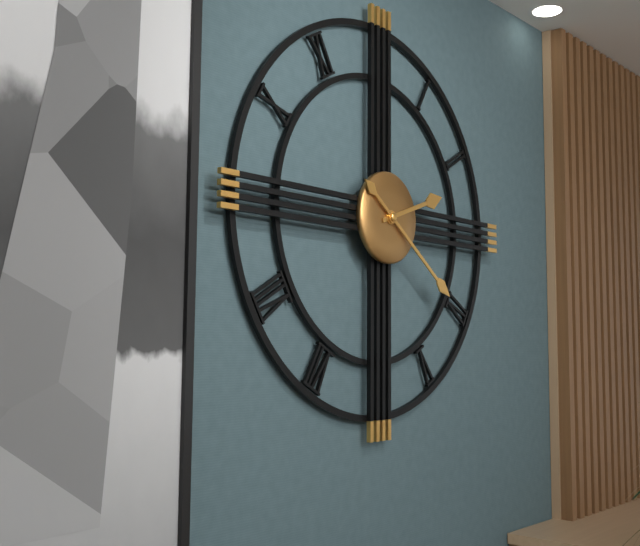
2:21
